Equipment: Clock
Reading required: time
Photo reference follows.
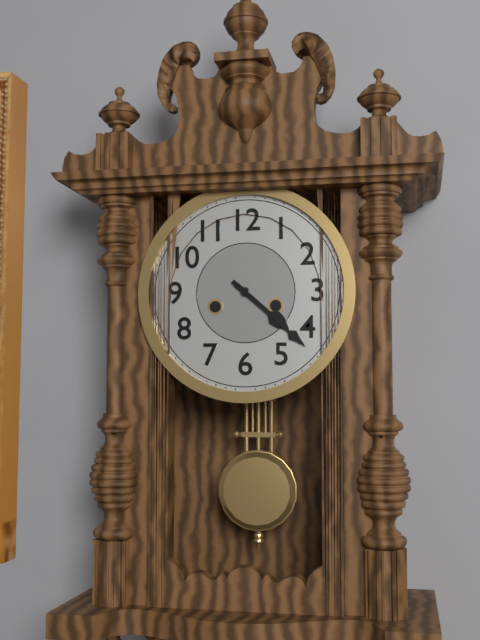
4:22
